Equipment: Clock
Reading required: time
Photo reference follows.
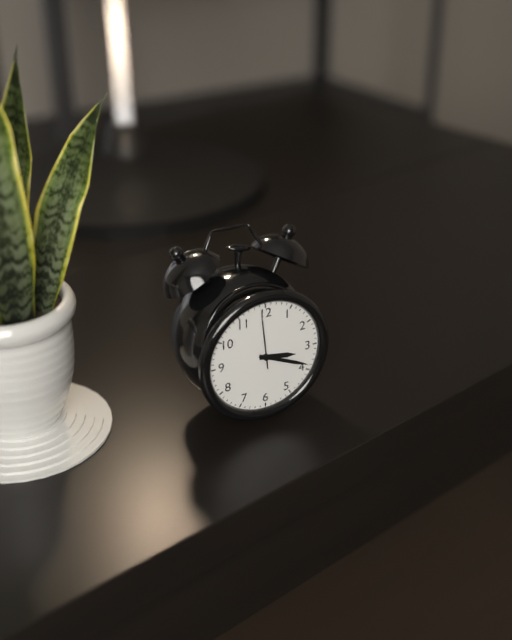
3:19:59
